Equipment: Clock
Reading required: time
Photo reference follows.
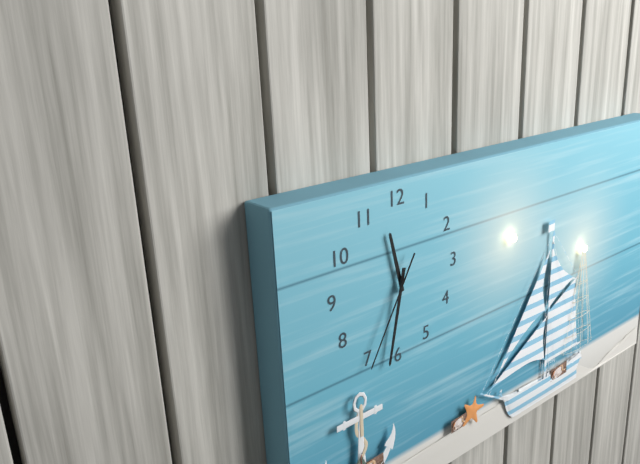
11:32:35
